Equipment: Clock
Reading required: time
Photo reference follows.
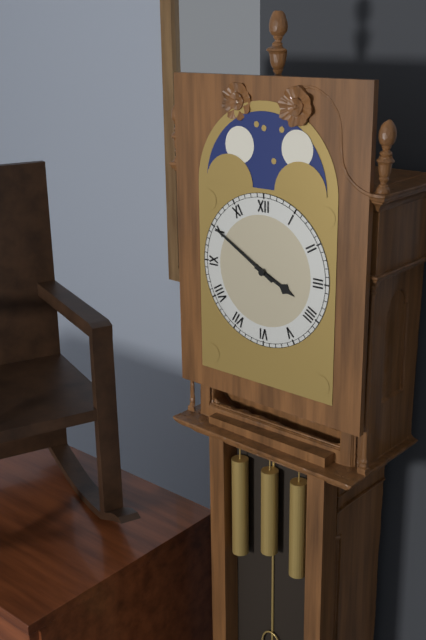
3:50
